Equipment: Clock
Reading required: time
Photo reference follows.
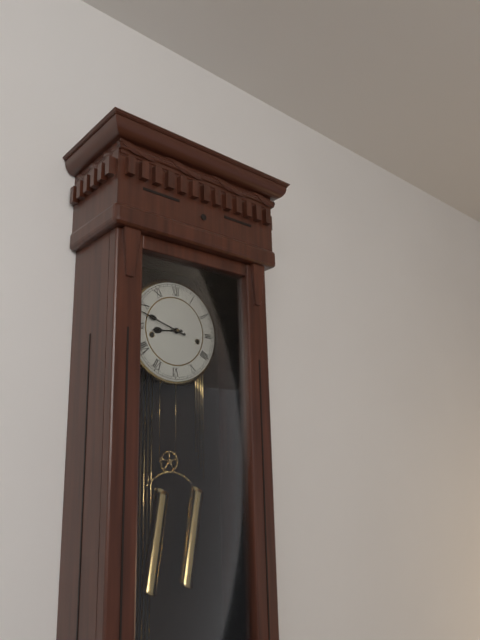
8:48
